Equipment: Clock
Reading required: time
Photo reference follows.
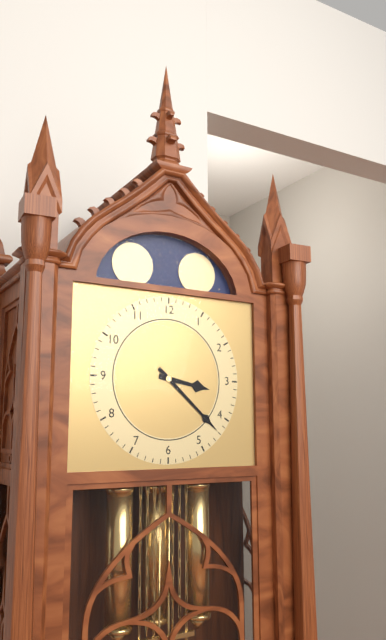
3:22
